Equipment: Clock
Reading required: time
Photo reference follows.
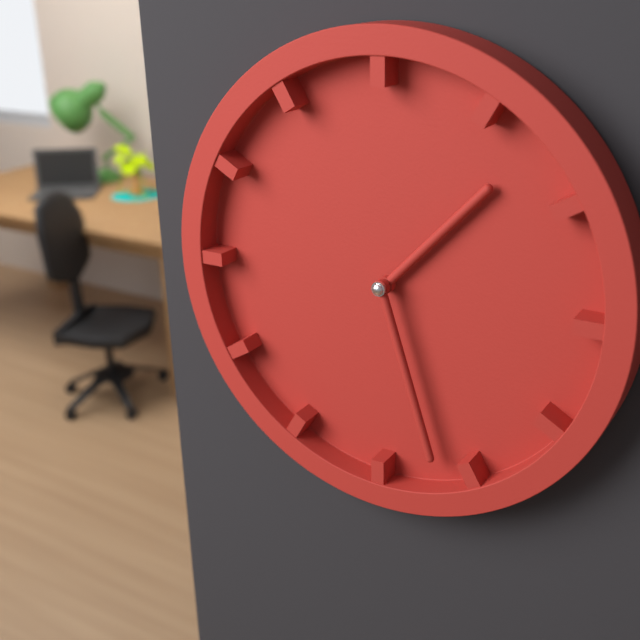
1:27
